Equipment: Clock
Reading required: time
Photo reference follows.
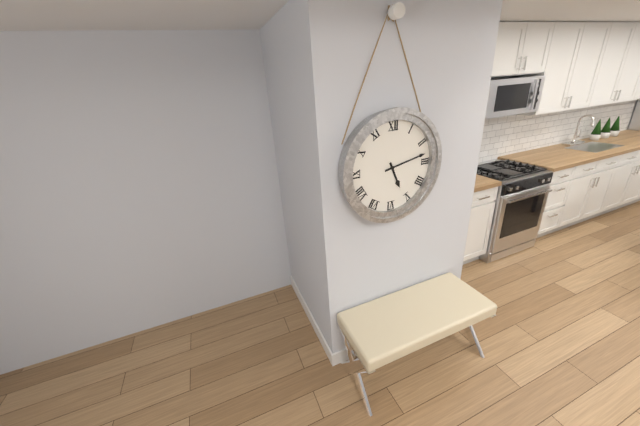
5:13
